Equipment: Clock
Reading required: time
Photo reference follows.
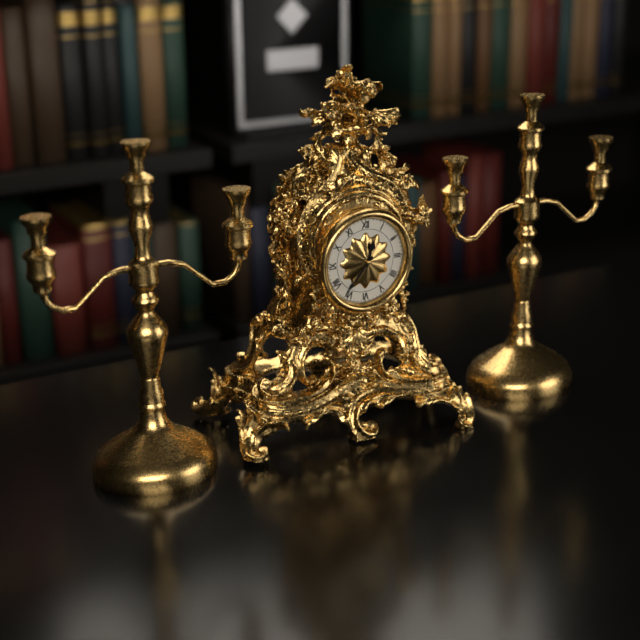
12:37
